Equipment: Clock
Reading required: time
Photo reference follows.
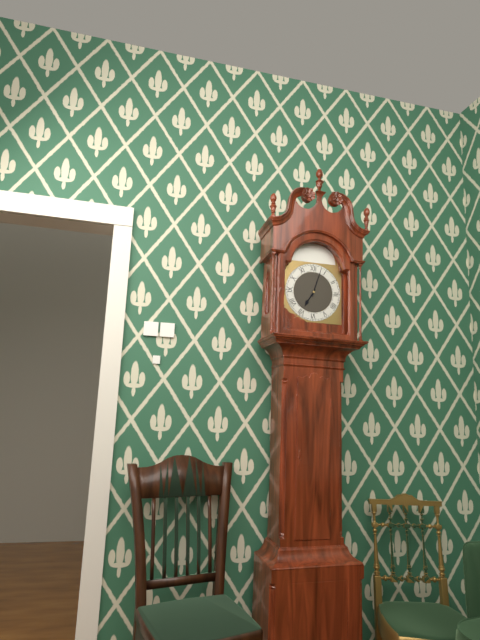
7:03
